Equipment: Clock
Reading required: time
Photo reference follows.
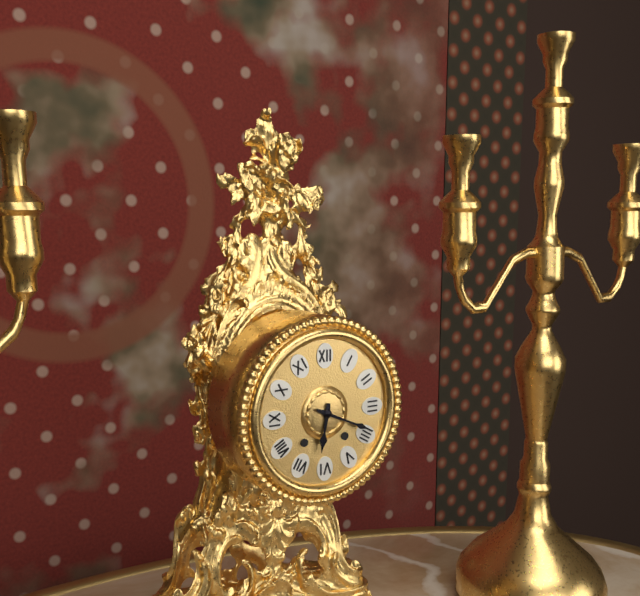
6:19
